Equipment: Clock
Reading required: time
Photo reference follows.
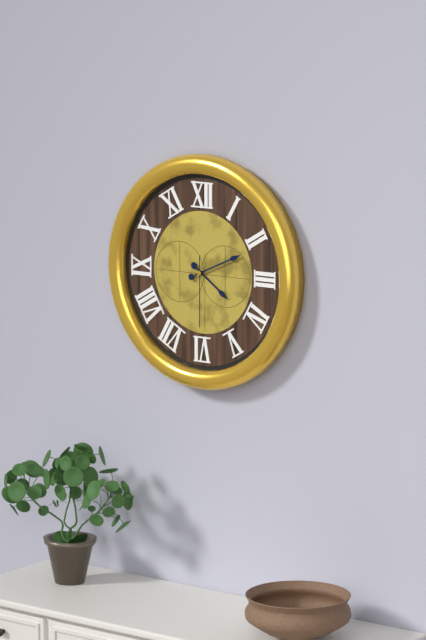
4:11:30
